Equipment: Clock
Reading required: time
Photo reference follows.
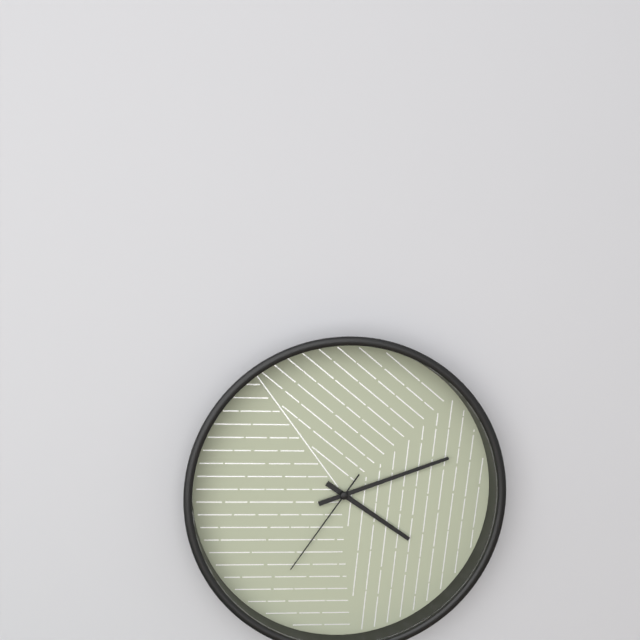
4:12:36
